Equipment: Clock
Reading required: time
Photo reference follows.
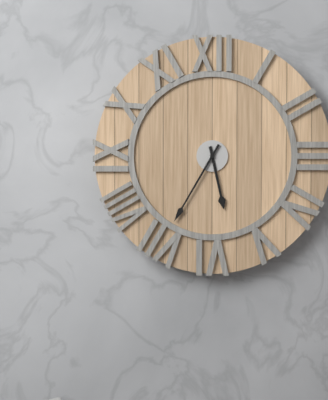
5:35
